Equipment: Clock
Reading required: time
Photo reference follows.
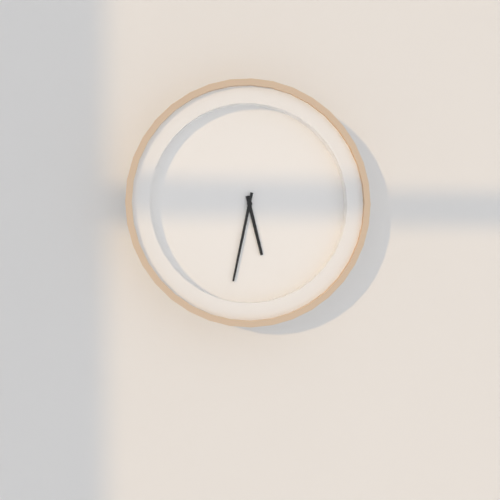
5:32
